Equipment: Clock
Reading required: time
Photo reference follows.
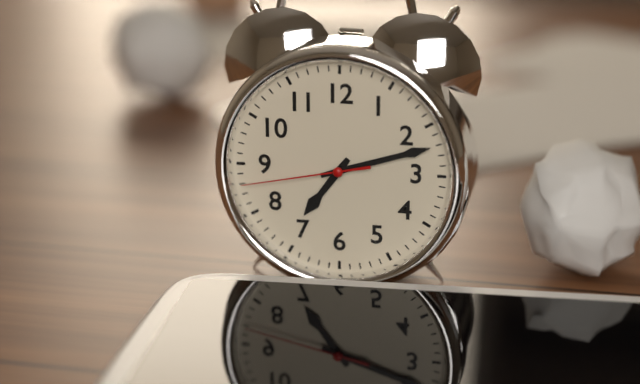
7:12:43
